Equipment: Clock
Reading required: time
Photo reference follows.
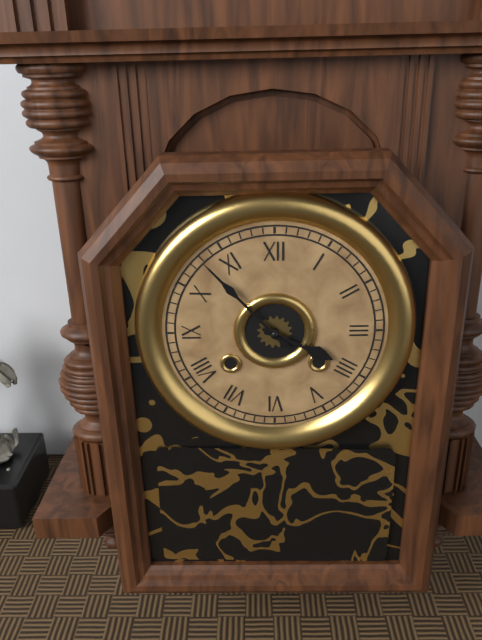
3:53
